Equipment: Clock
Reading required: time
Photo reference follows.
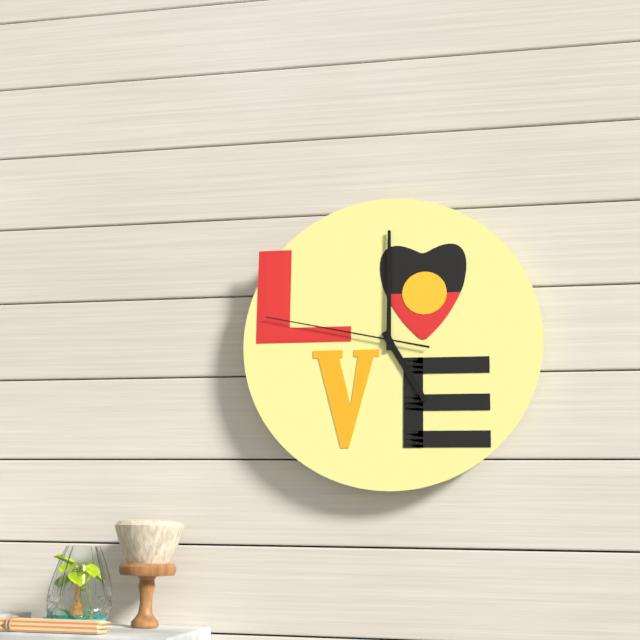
5:00:47
